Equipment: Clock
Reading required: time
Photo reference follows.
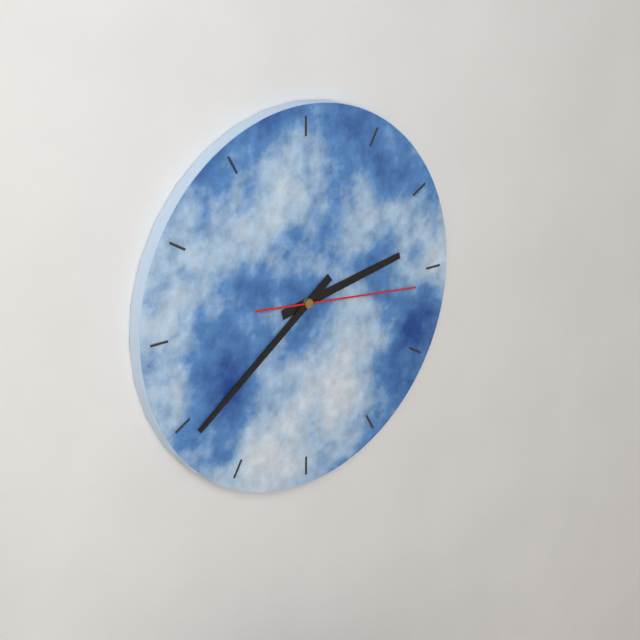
2:39:16
